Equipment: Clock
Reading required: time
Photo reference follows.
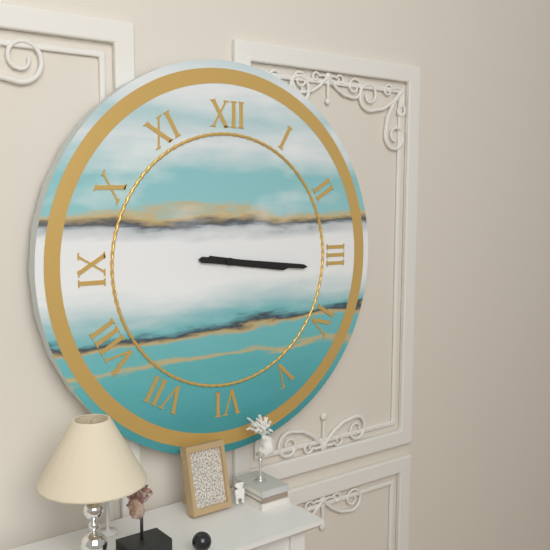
3:16
